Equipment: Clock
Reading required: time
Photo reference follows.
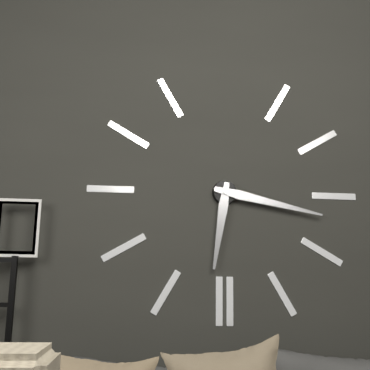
6:17
